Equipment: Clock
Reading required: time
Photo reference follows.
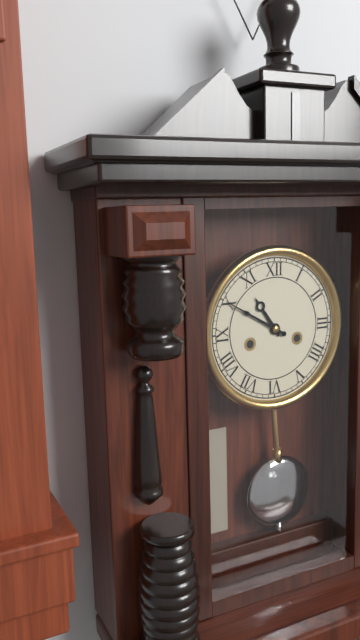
10:50
